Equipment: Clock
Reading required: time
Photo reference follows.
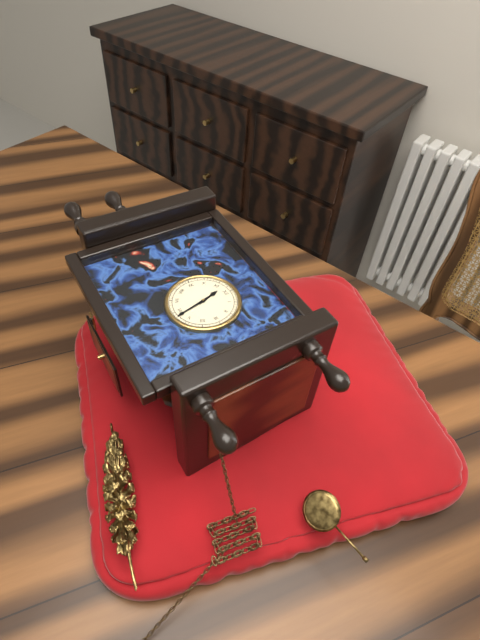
11:28
